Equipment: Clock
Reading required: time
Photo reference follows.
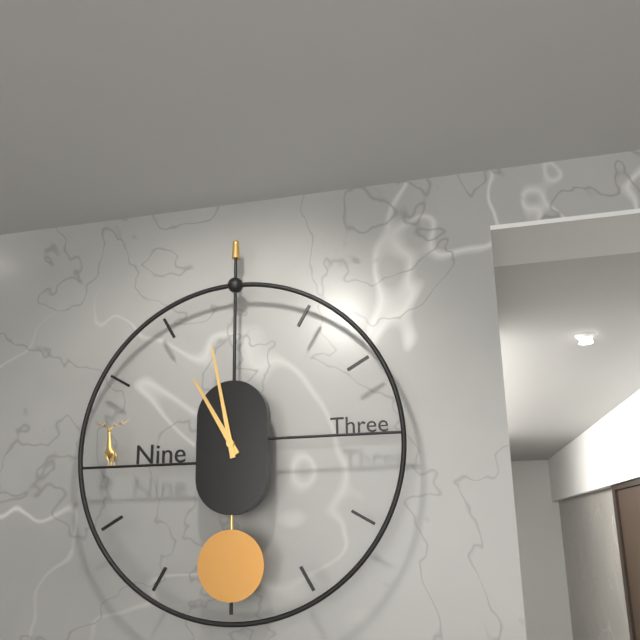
10:58
